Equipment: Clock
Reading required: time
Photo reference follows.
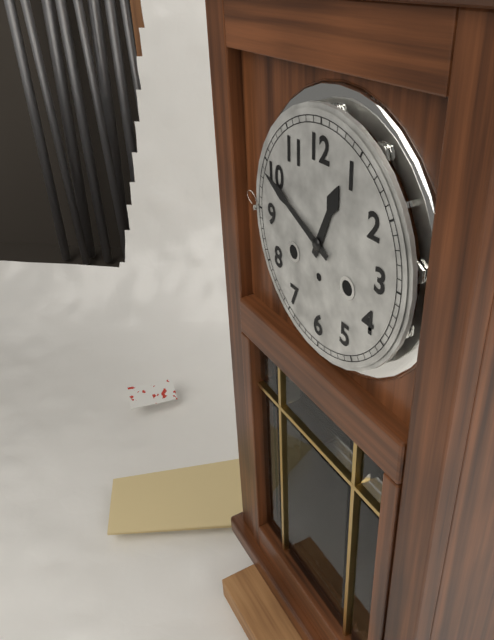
12:49
